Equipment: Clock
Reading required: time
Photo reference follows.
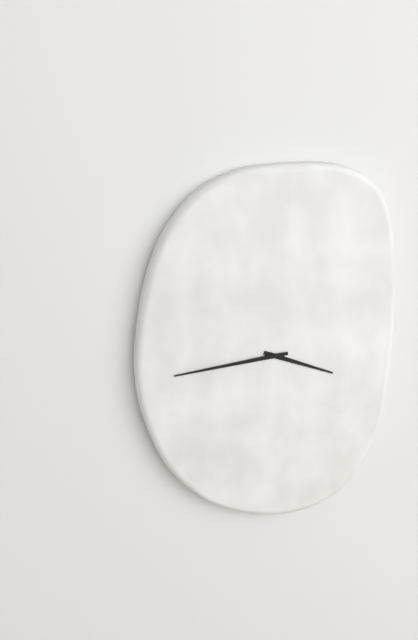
3:44
